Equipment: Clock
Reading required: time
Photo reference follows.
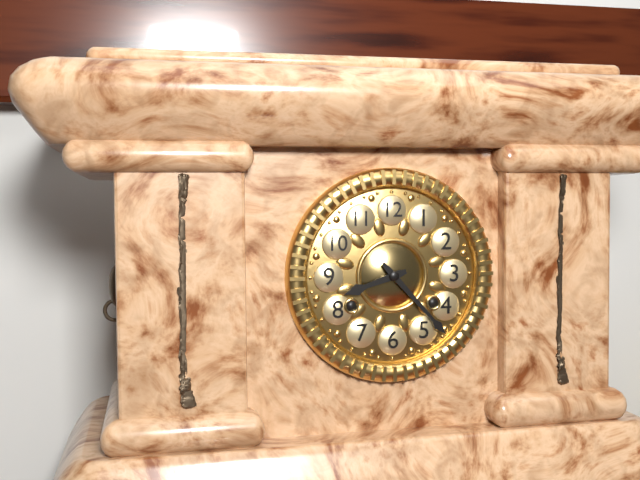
8:23
